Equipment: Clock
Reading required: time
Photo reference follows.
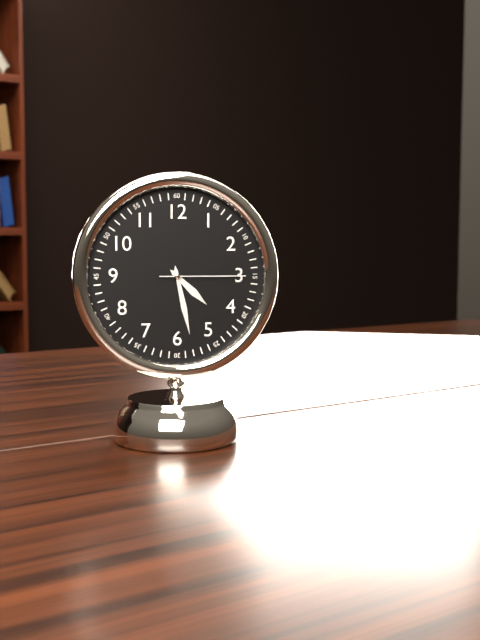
4:28:15
